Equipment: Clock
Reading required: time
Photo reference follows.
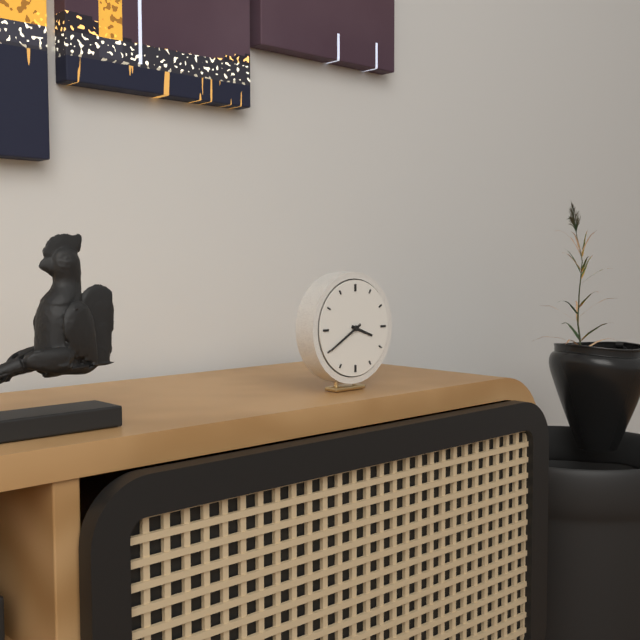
3:40
